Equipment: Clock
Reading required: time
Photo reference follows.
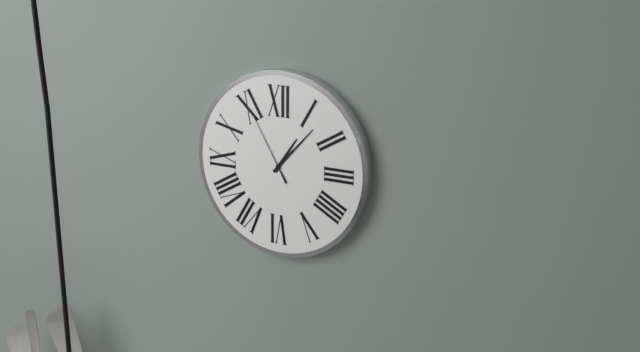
1:07:55
